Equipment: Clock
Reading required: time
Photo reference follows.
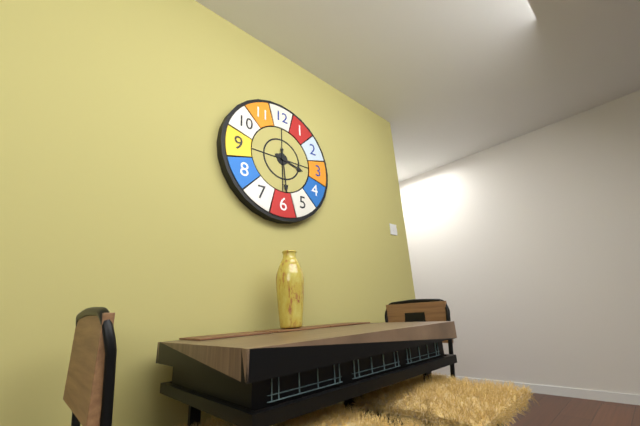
3:29
